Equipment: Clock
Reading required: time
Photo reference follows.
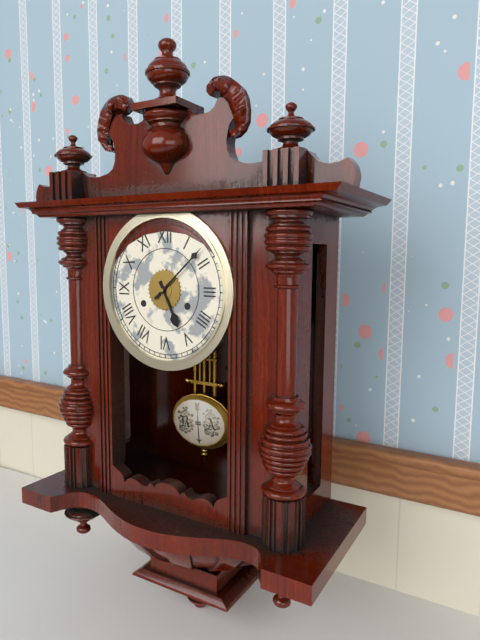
5:08
